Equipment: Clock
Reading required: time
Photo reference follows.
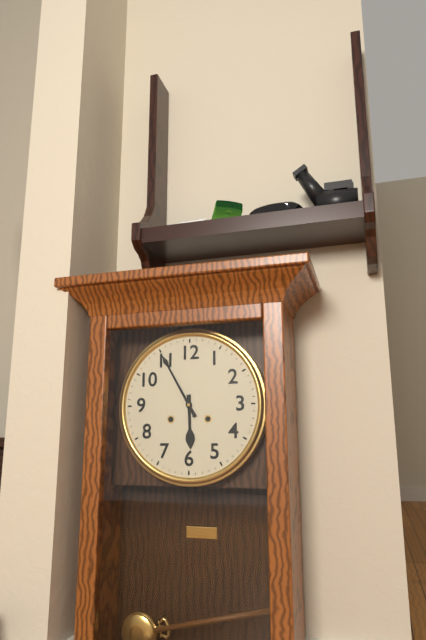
5:55
